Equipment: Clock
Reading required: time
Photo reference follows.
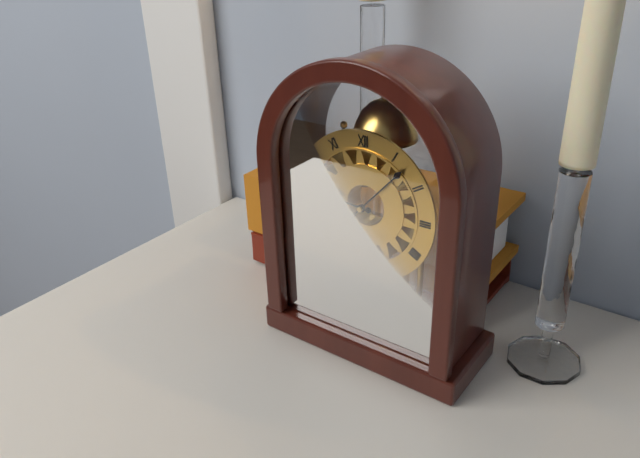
9:07
